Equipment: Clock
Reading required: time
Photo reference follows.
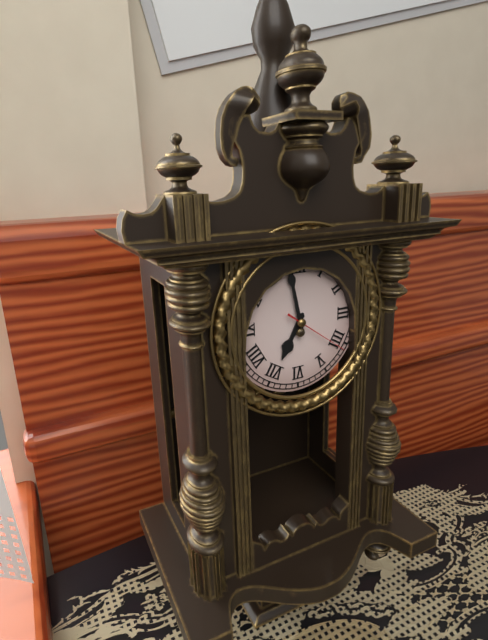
6:58:21
